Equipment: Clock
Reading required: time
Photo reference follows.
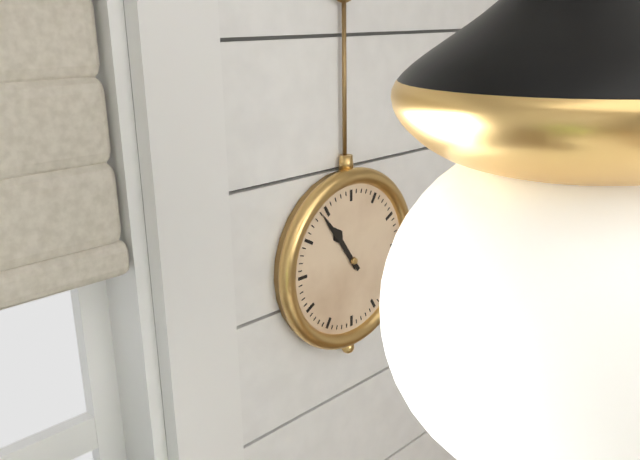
10:54
